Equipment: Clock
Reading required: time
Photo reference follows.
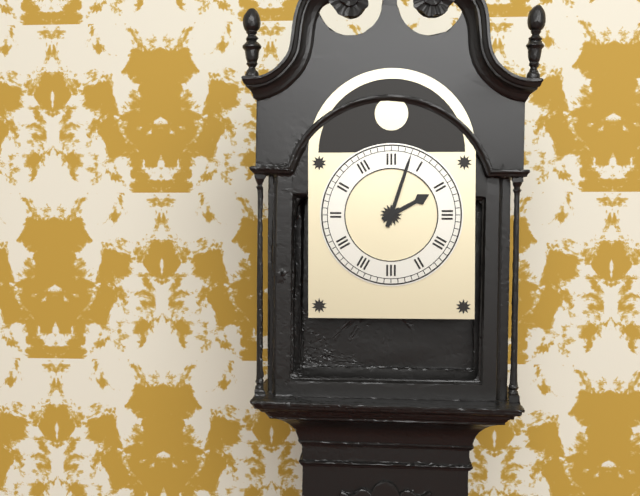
2:03
